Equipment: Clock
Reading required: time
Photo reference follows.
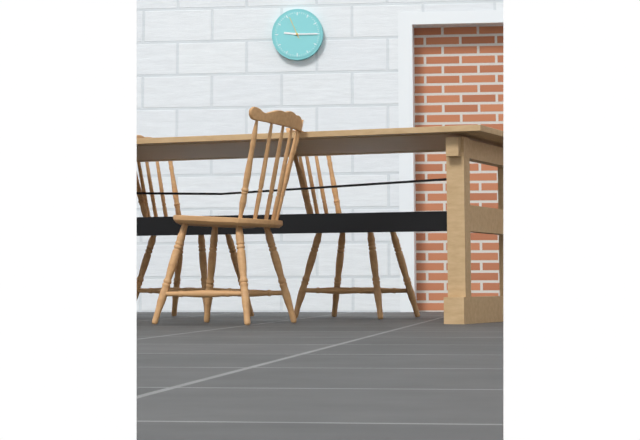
9:15
